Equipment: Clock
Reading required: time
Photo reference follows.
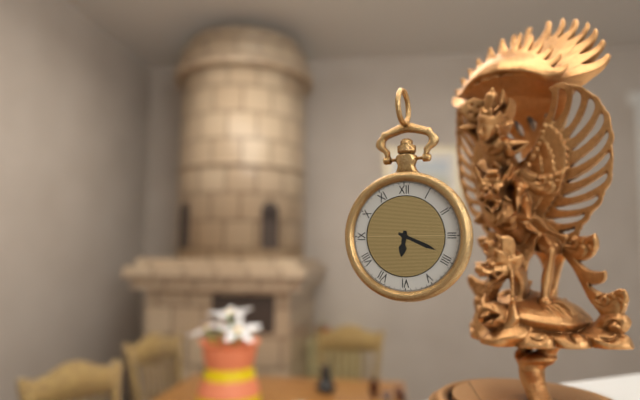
6:19
